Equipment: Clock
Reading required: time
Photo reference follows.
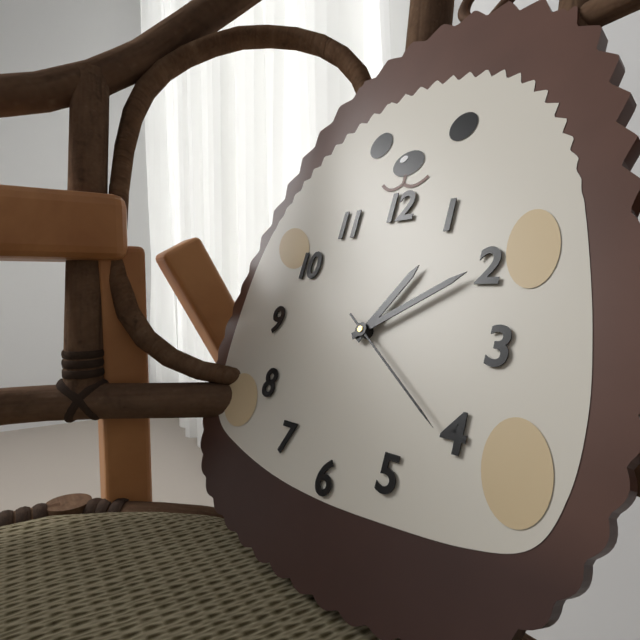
1:10:21
